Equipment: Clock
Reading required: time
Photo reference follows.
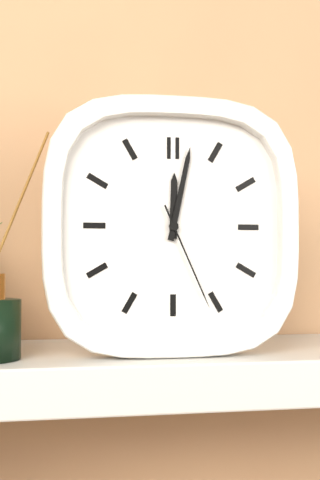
12:02:26
